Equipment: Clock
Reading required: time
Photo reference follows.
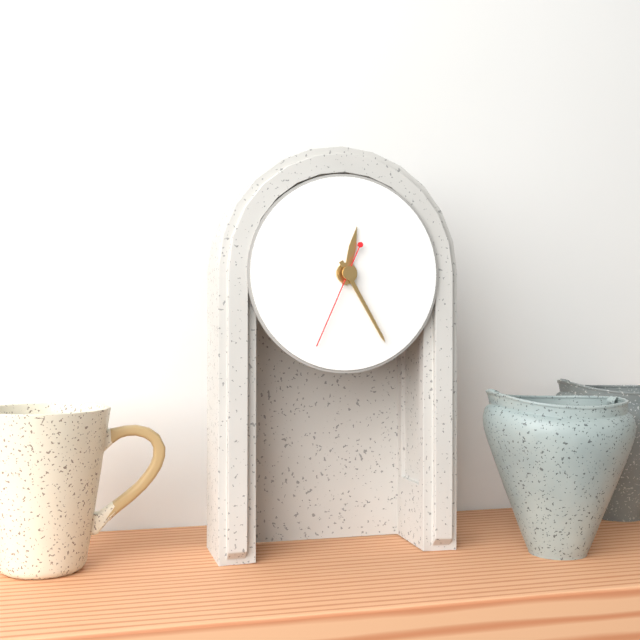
12:25:34
